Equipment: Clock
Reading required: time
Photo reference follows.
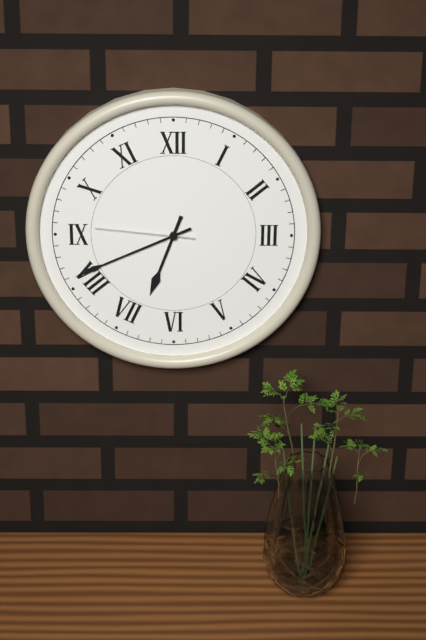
6:41:46
